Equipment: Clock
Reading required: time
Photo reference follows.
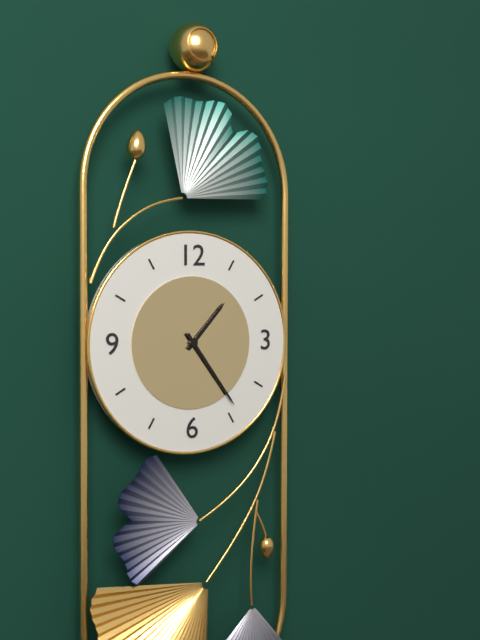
1:24
